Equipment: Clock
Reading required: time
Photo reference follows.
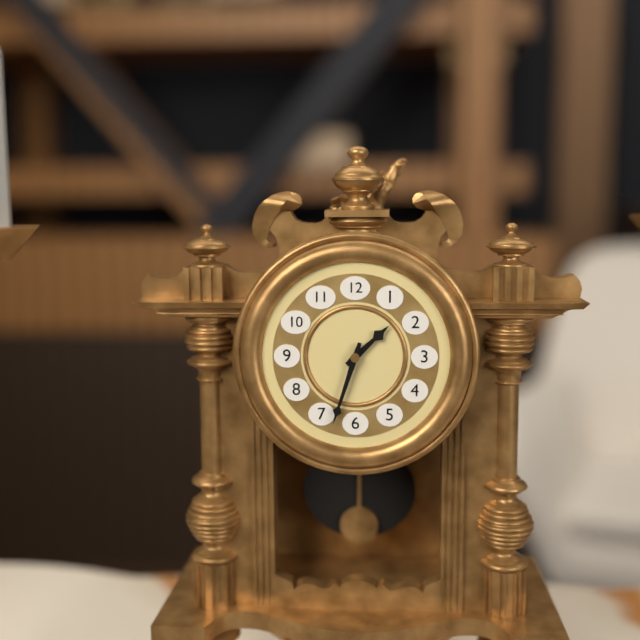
1:33
